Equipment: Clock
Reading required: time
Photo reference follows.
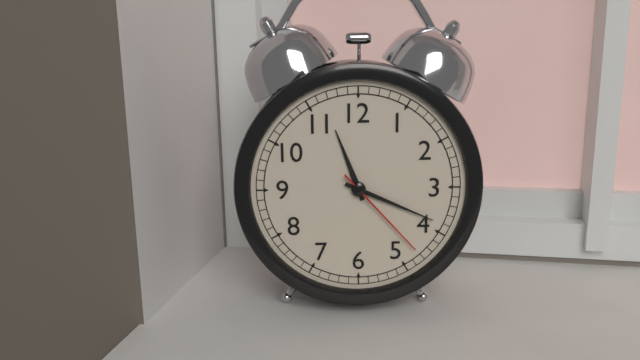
11:19:23
